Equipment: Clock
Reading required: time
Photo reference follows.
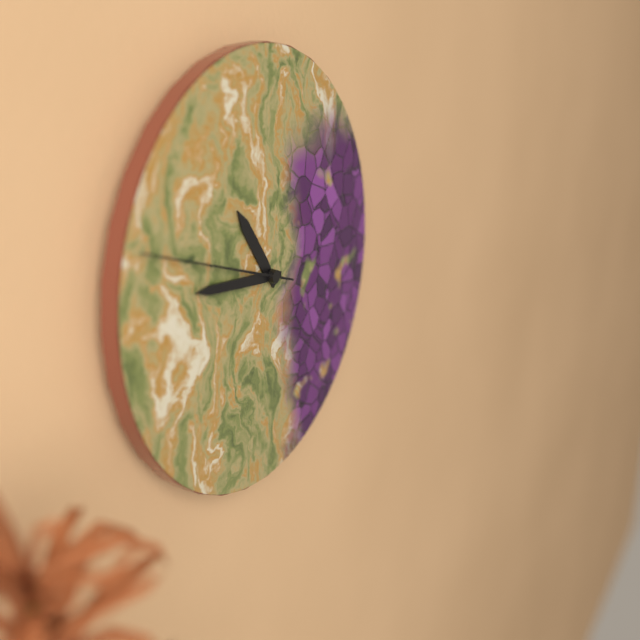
10:46:48
